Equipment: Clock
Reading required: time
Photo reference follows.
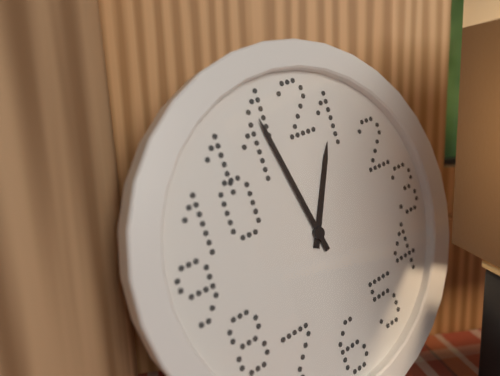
12:58
